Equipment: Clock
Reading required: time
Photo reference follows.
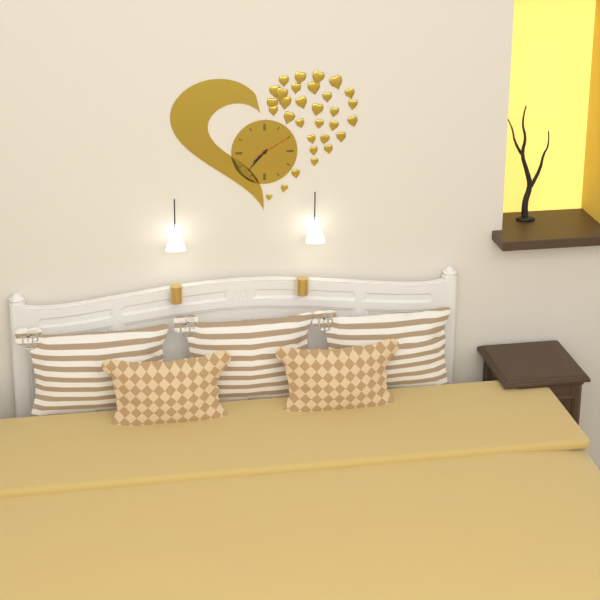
7:37
